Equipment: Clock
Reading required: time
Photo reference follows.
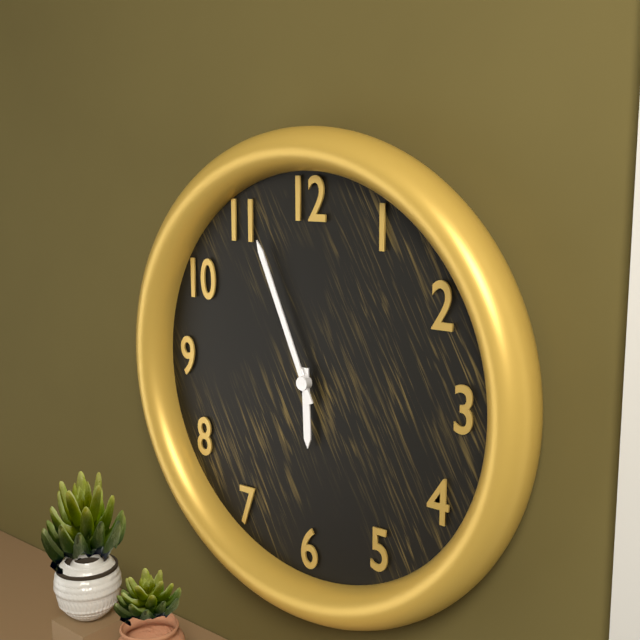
5:56
